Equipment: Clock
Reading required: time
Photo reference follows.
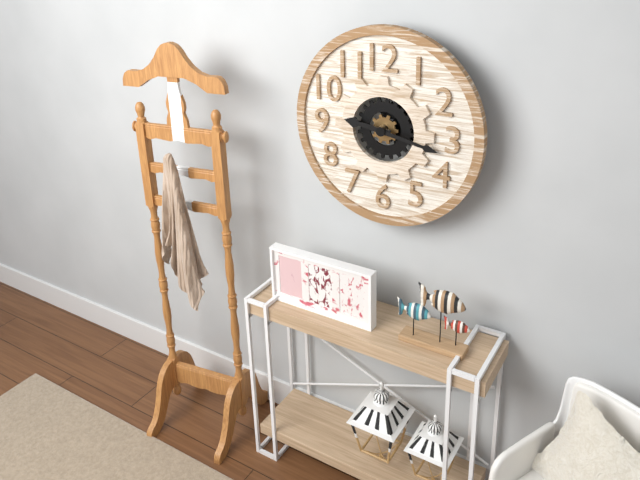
9:17
